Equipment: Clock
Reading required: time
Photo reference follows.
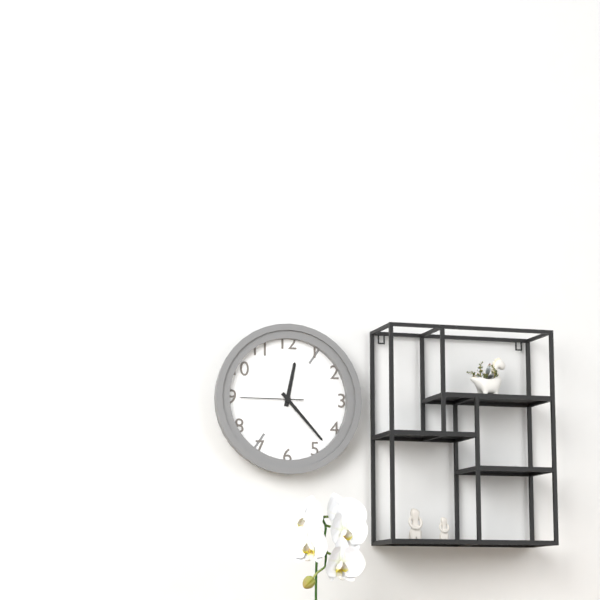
12:23:45
